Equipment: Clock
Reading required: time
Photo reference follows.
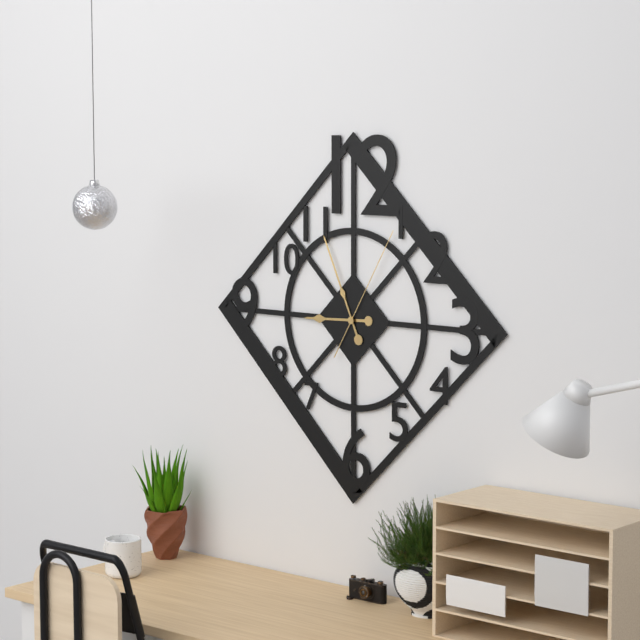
8:56:05
